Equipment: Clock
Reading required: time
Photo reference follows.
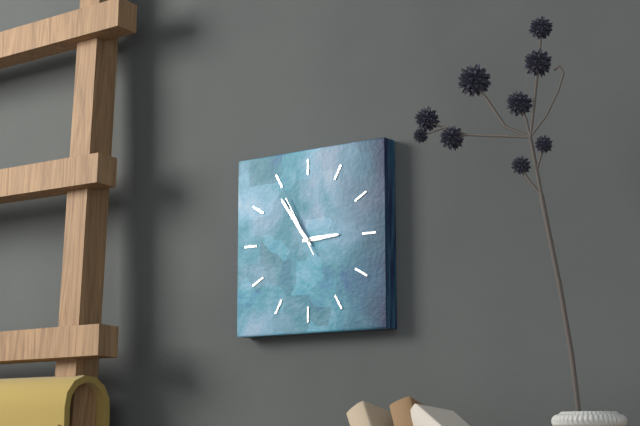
2:54:55
